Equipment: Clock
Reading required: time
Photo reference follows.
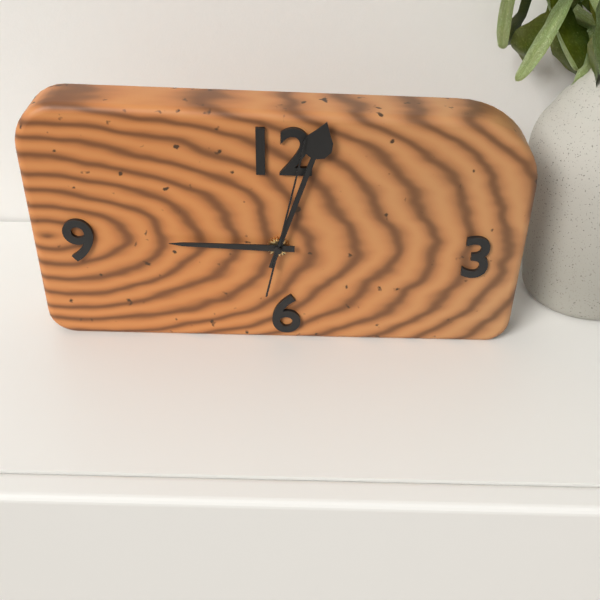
9:03:02
